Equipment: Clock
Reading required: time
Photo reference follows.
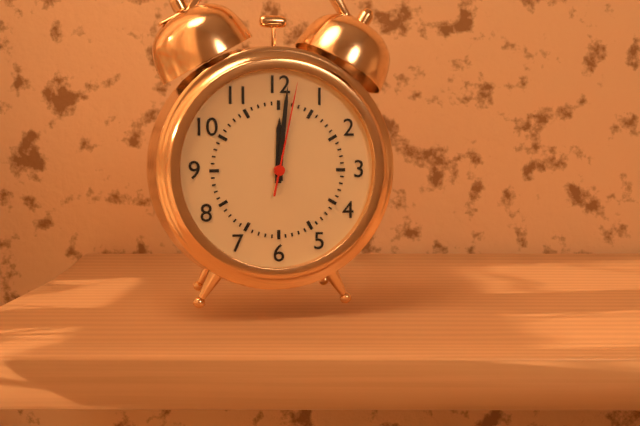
12:01:02
